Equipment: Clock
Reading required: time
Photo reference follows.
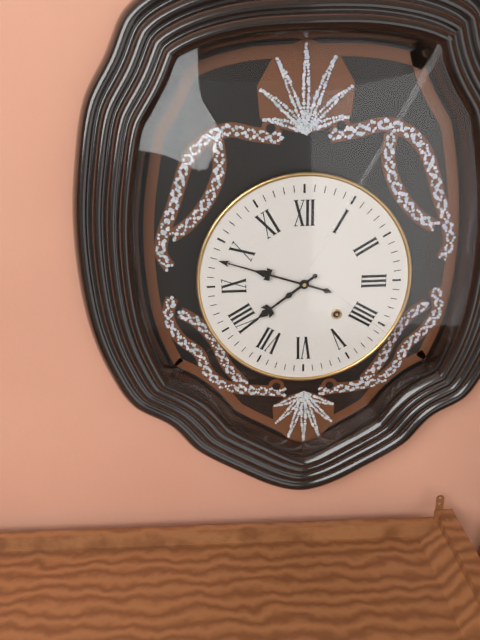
7:48
